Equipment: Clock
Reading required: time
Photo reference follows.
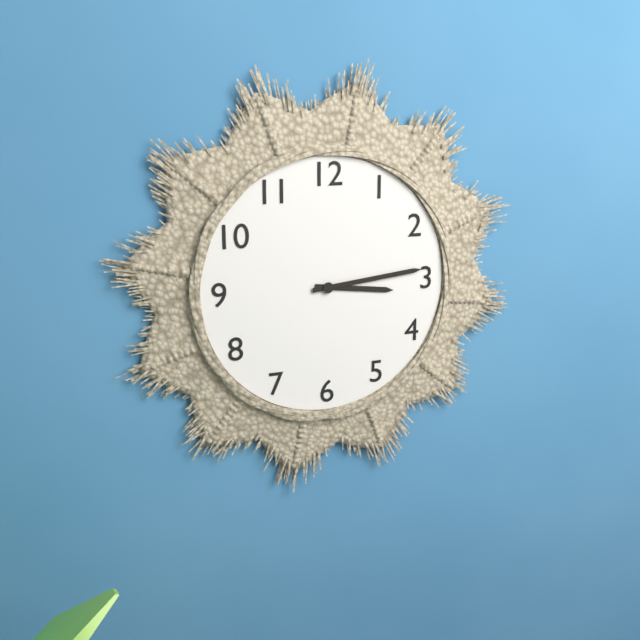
3:14
